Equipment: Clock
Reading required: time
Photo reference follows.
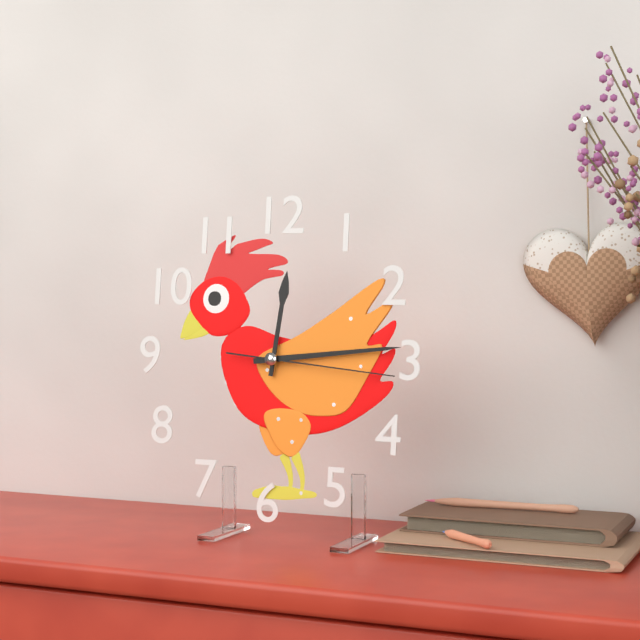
12:14:16
